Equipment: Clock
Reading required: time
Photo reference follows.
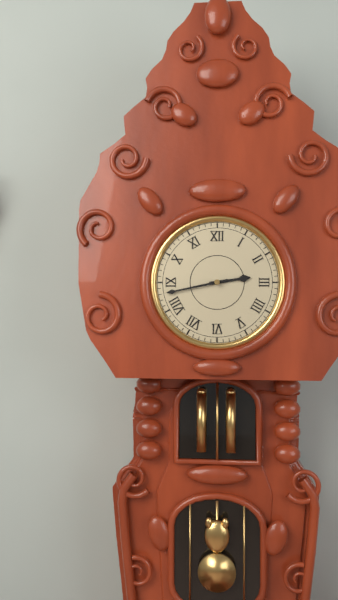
2:43
